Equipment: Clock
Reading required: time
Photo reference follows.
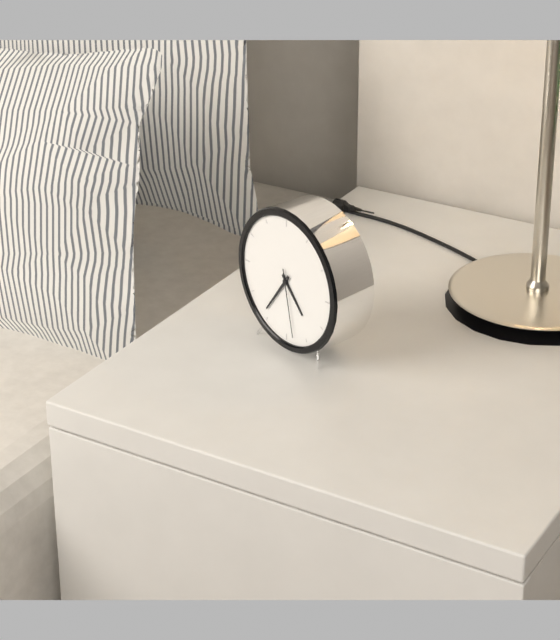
4:36:28
